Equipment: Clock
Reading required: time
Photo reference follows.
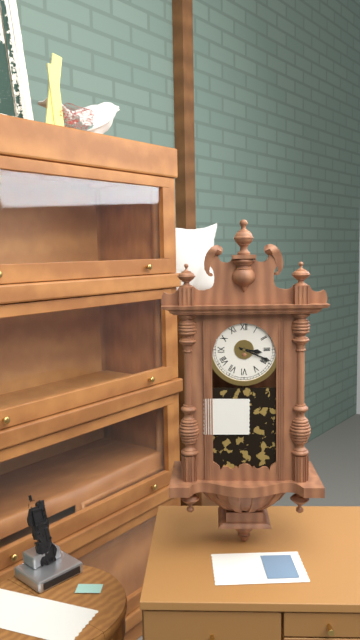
3:19
